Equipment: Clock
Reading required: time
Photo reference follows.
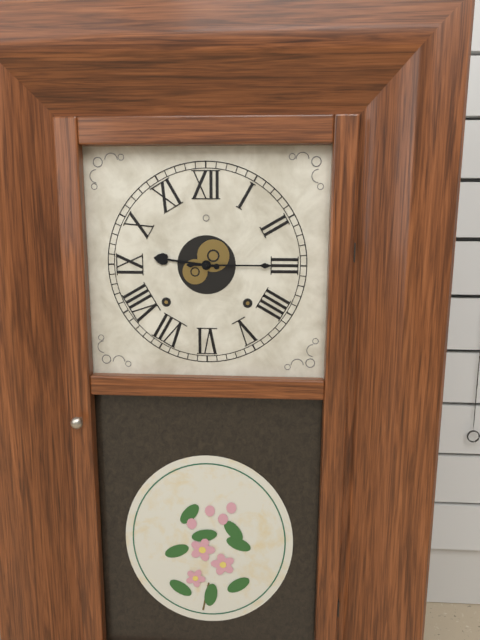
9:15
